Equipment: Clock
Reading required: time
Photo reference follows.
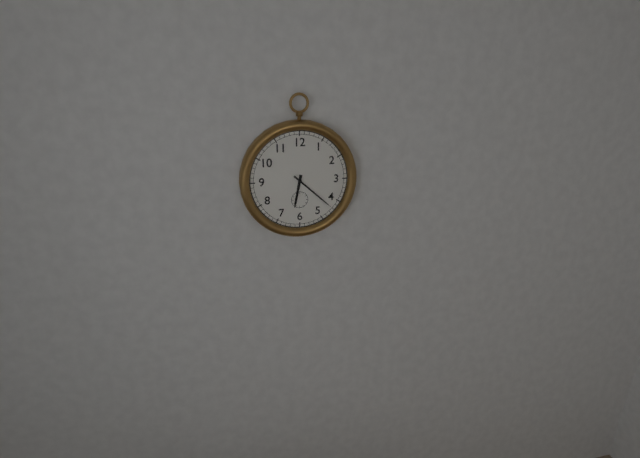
6:22
